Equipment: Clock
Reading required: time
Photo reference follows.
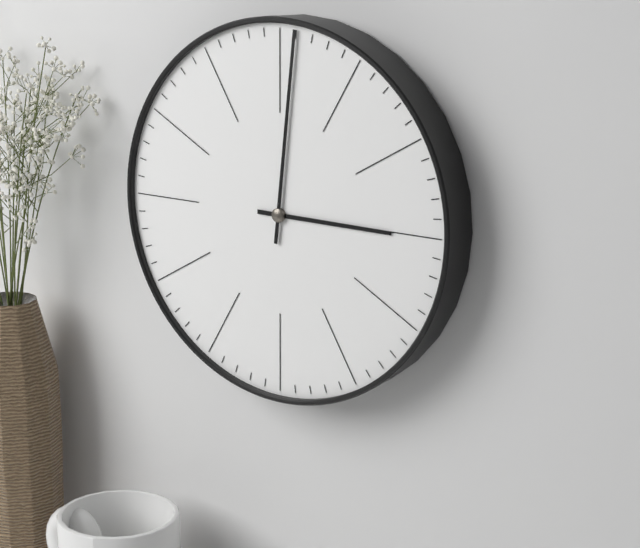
3:01
